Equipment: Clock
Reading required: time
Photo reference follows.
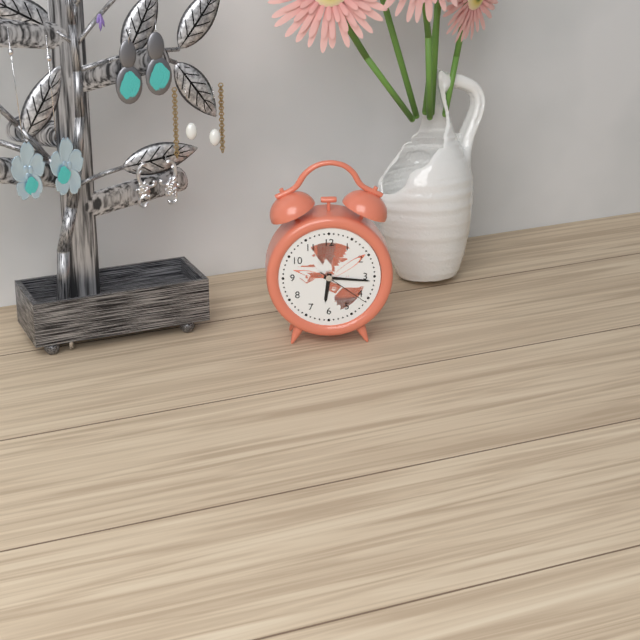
6:16:21
